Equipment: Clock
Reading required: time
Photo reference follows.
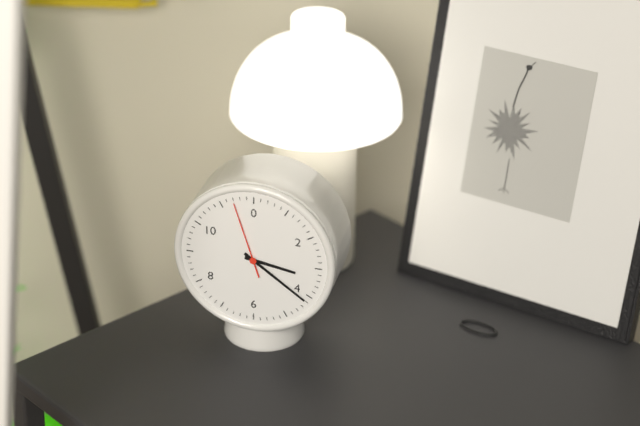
3:21:57
